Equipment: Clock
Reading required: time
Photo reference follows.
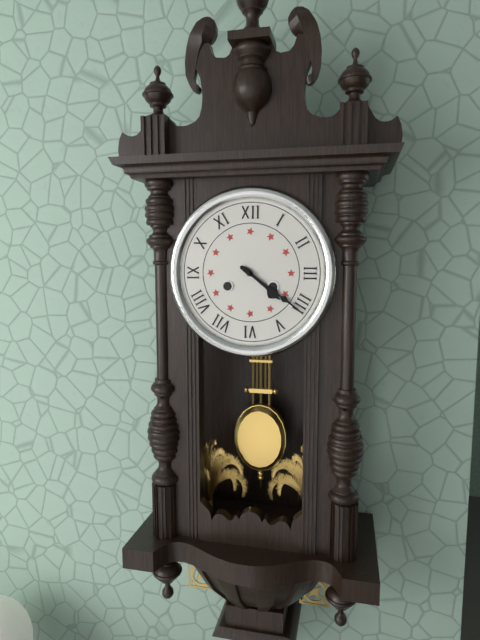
4:21
